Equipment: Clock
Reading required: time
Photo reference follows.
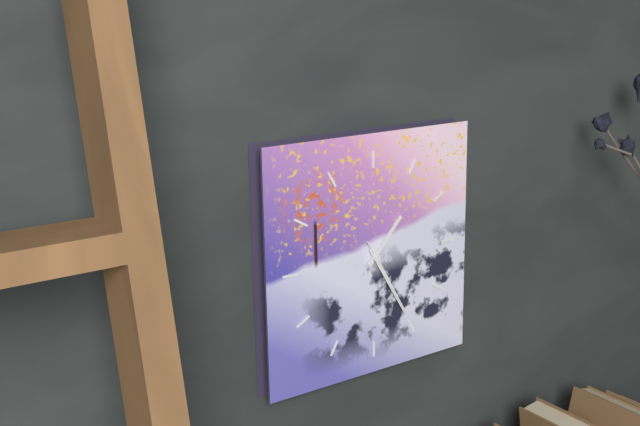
1:25:25
